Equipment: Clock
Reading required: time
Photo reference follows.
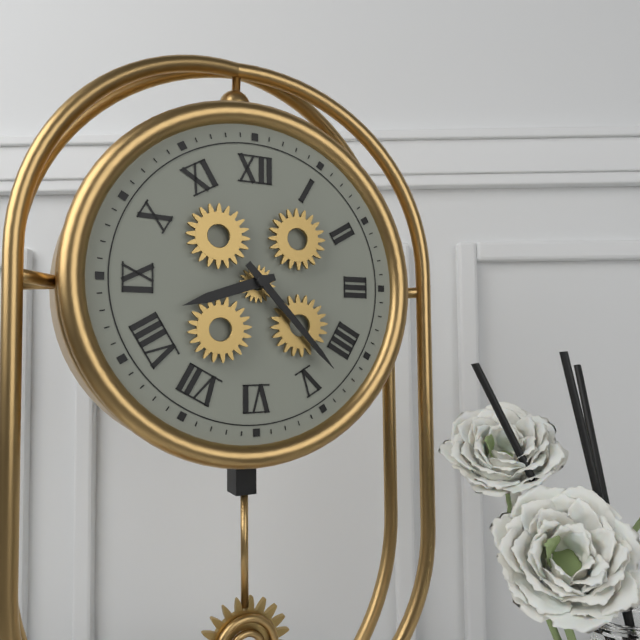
8:23
